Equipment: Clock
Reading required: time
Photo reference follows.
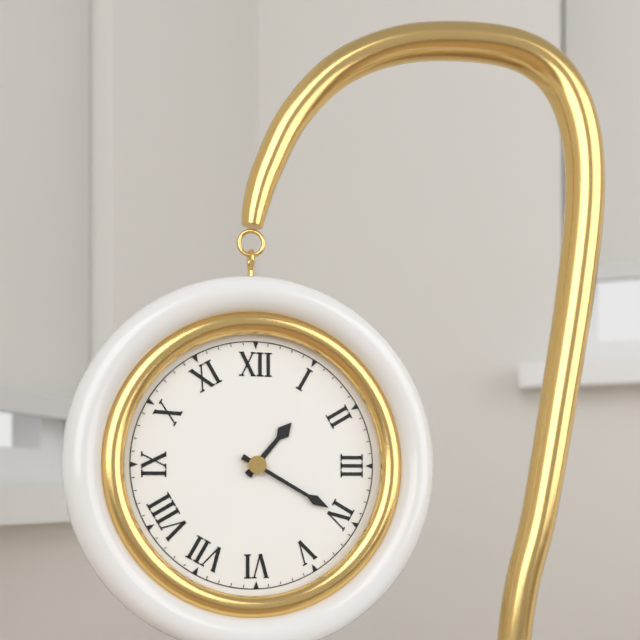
1:20
